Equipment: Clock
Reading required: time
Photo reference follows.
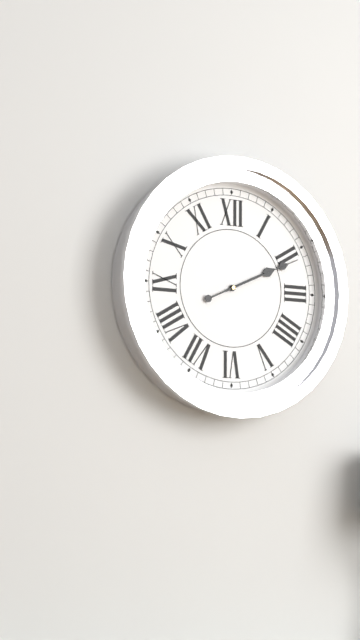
2:11
